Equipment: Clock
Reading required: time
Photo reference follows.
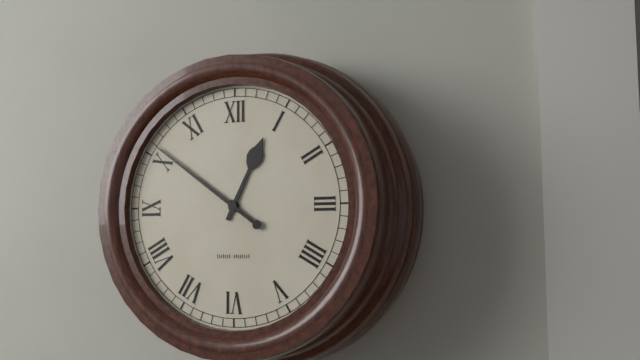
12:51
